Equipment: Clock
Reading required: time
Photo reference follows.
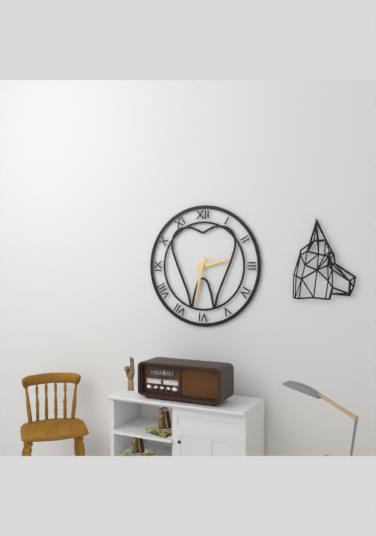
2:32
